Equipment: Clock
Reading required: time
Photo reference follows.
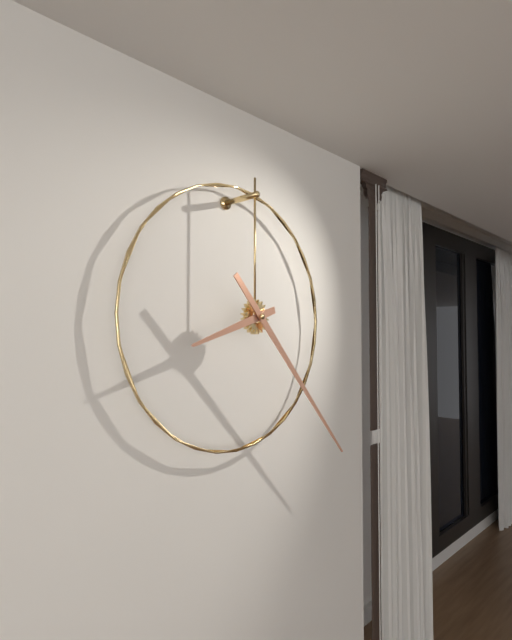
8:23
